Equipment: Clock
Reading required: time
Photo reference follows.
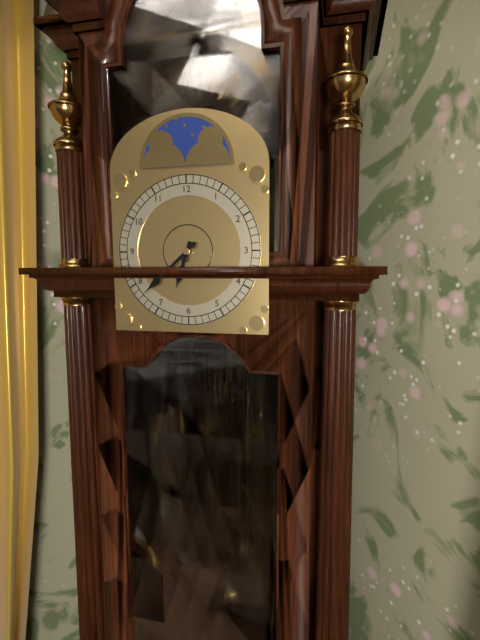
6:38
